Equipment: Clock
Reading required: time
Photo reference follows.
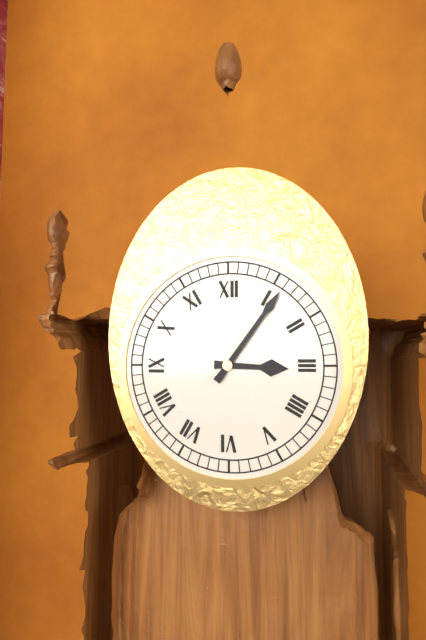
3:06
